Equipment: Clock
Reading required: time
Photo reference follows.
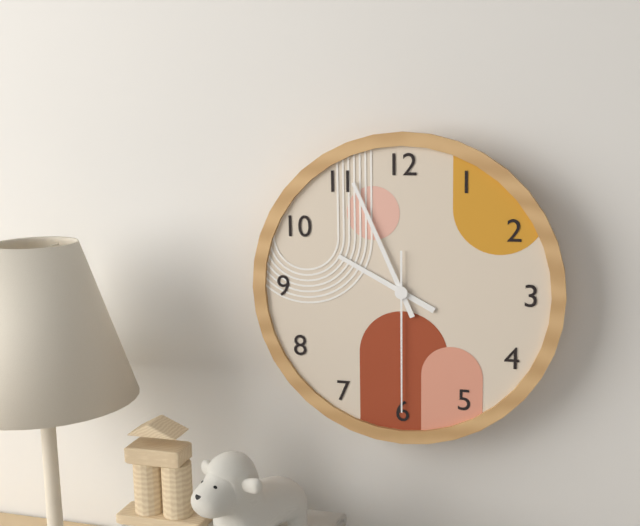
9:56:30
